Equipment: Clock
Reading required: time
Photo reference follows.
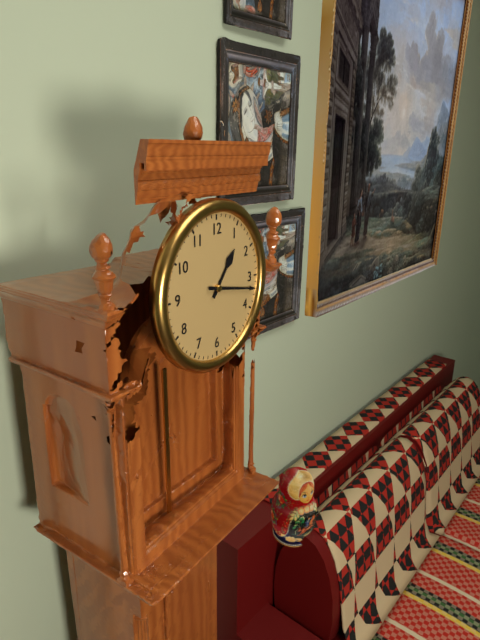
1:17
